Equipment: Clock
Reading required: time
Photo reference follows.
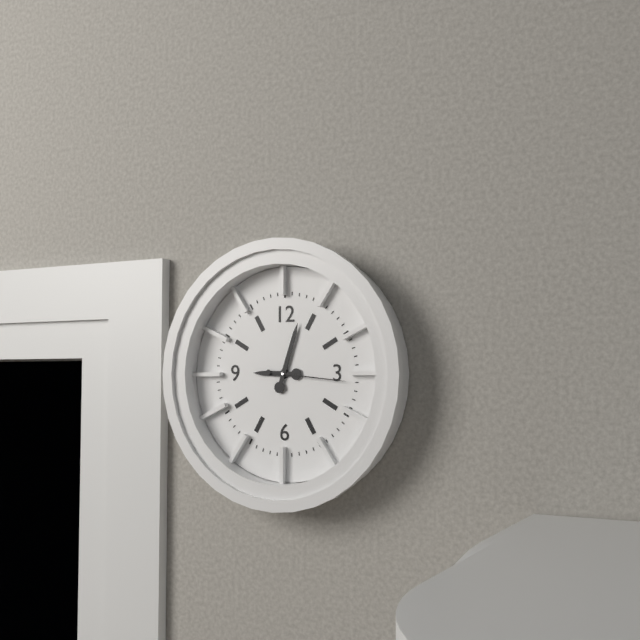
9:03:16
